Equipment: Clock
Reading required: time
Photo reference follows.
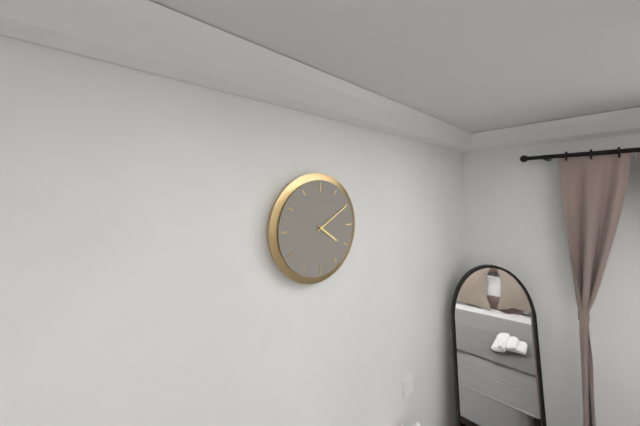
4:10
